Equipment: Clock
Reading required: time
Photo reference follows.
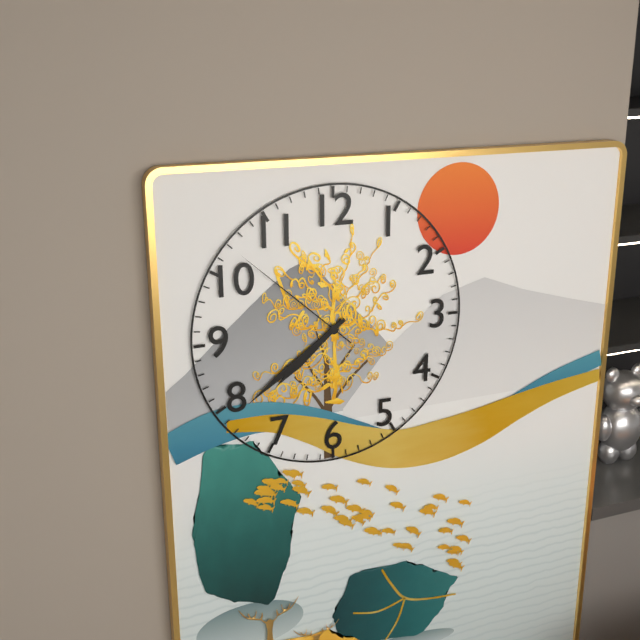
7:39:52
